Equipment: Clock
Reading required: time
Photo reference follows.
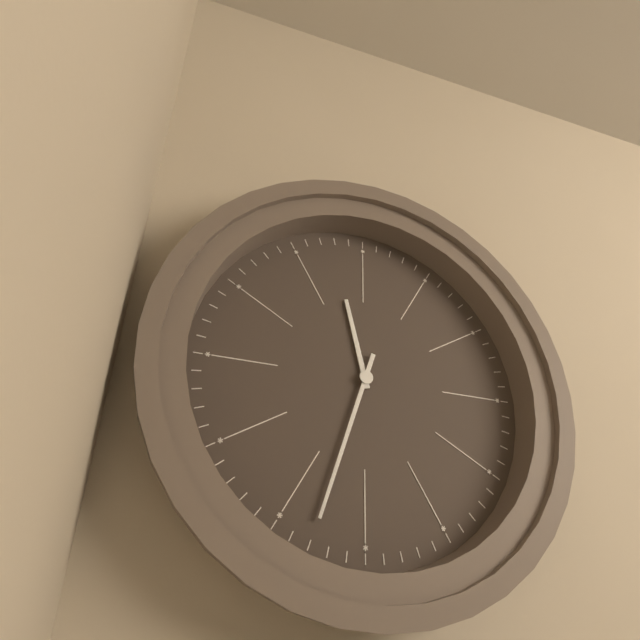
11:33
